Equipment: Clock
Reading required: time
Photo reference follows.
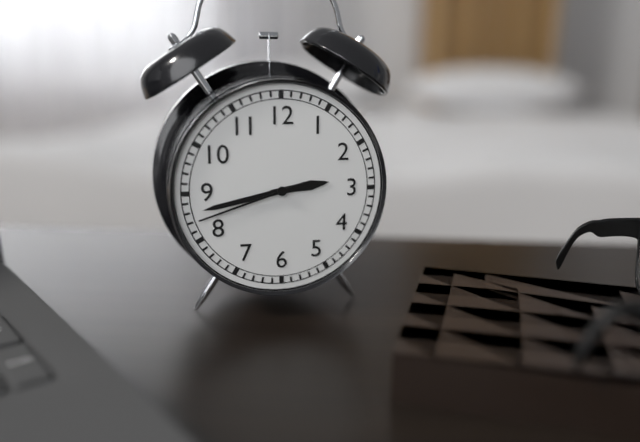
2:43:42
